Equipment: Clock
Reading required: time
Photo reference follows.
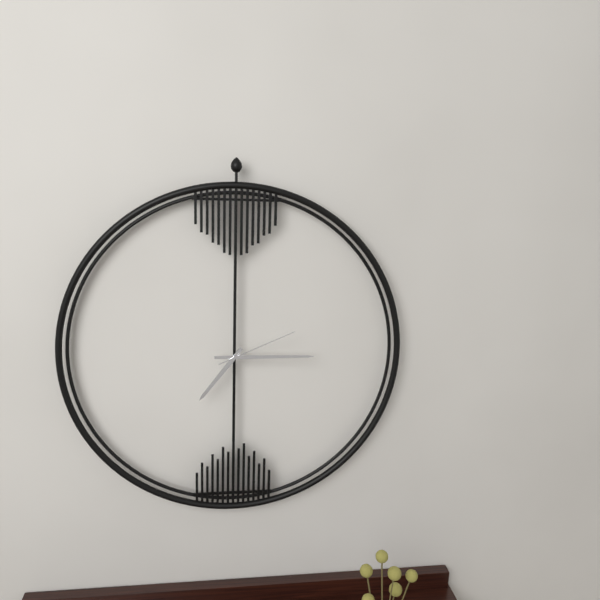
7:15:11
